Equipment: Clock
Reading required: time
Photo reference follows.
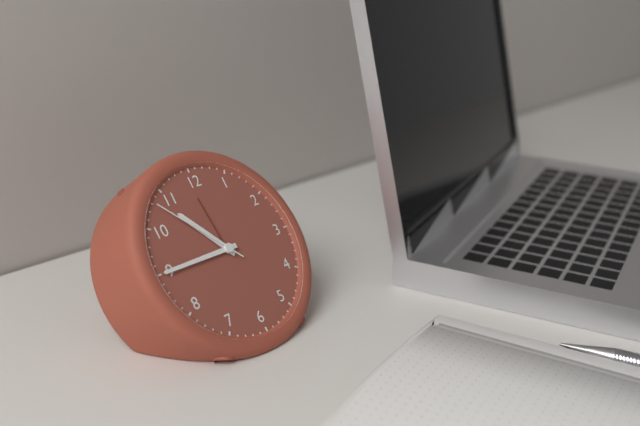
10:45:53
